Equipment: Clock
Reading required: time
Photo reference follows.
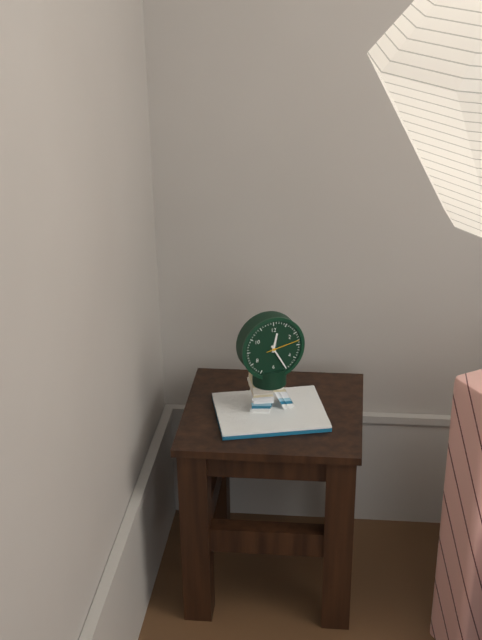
12:25
